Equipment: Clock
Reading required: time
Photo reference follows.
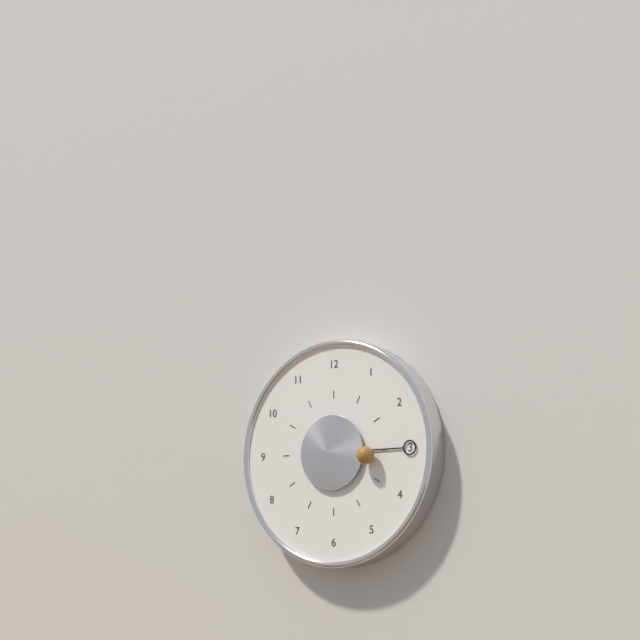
3:15
